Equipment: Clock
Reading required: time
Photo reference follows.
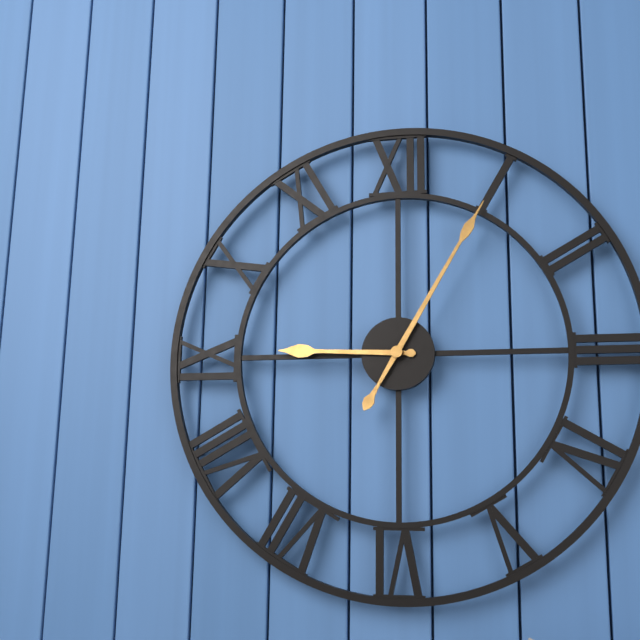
9:05
